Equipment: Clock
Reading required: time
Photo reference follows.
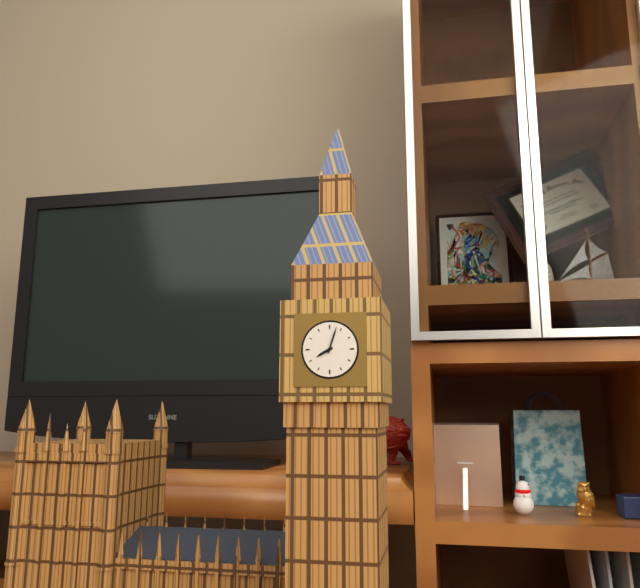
8:03
